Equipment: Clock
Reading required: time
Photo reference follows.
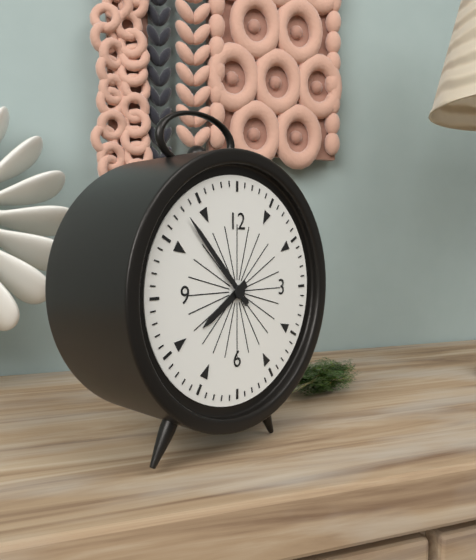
7:53
